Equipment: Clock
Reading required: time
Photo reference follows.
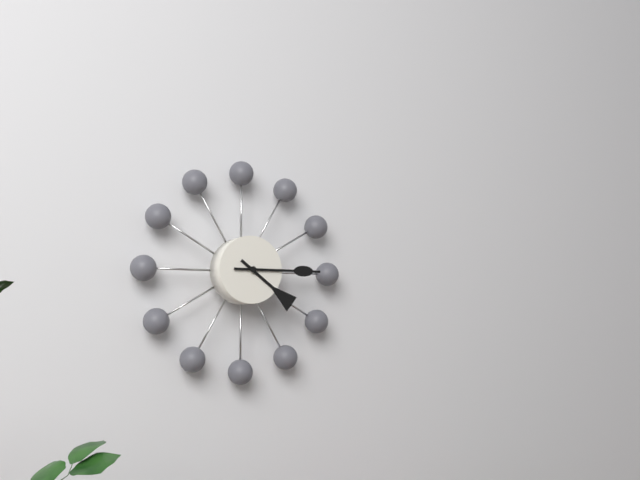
4:15
